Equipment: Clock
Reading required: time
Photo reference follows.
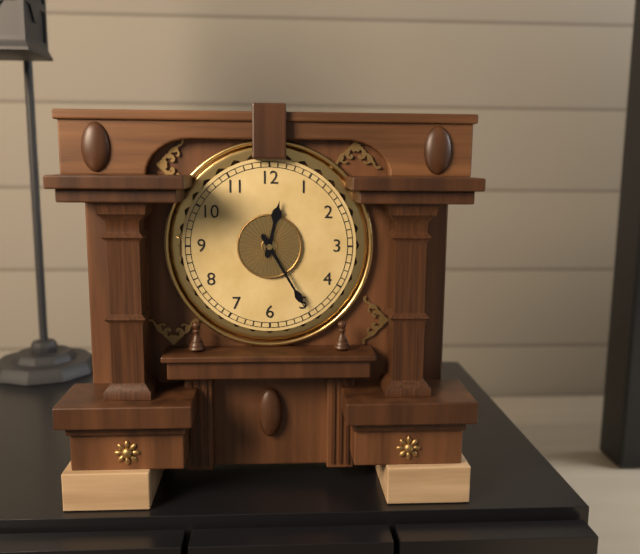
12:25
